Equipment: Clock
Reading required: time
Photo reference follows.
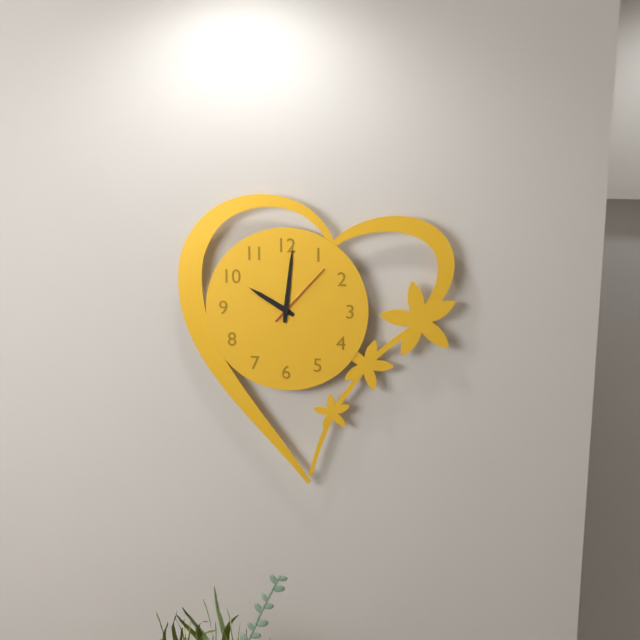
10:01:07
